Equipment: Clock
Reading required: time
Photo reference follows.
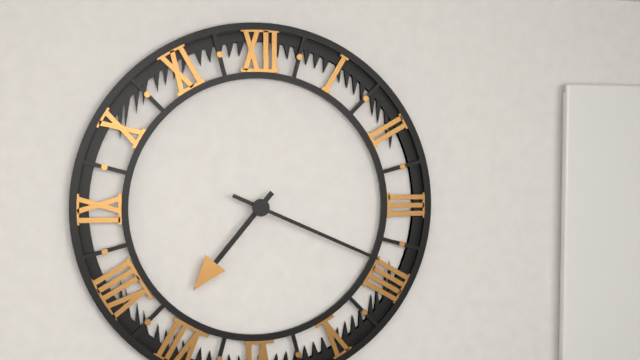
7:19
